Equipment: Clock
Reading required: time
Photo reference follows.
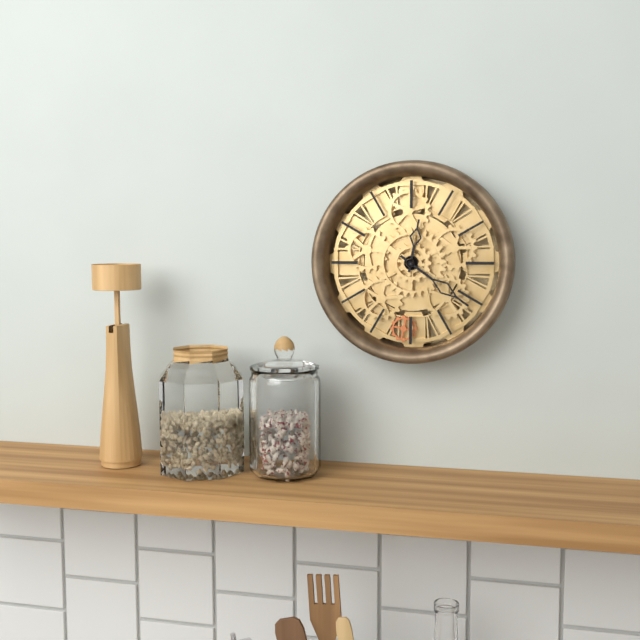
12:21
